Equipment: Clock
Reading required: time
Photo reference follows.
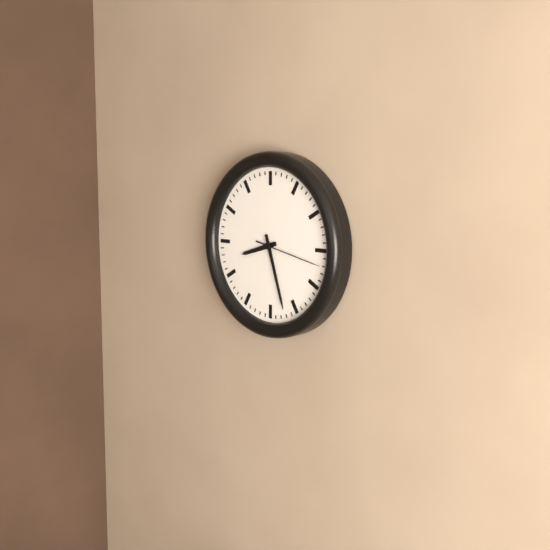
8:27:17
